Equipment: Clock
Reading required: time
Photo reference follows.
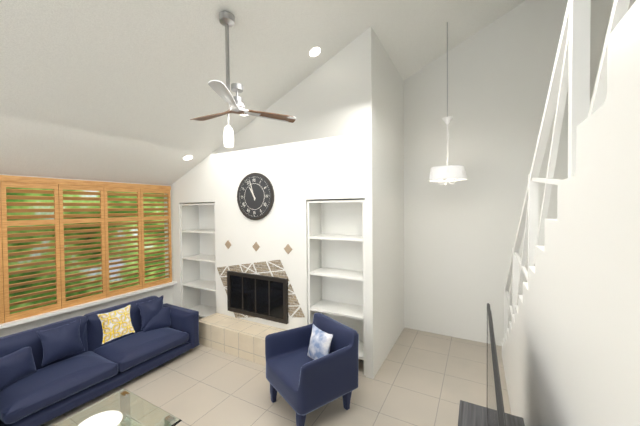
10:57
